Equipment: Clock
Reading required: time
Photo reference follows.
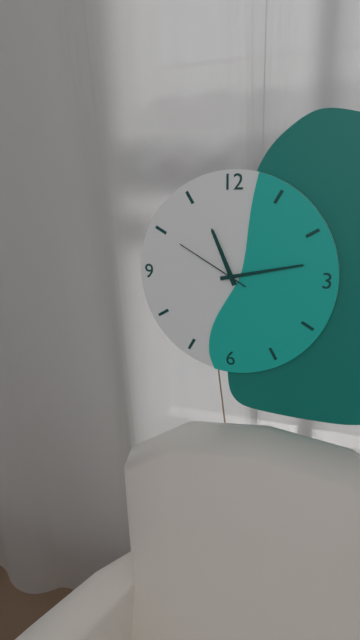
11:13:50
